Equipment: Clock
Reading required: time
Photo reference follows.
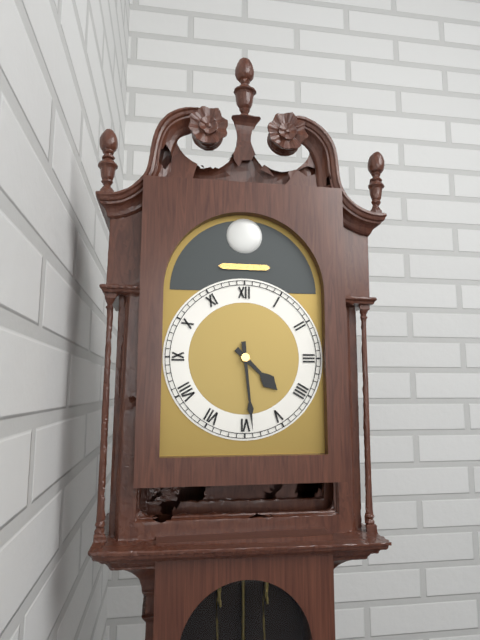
4:29
